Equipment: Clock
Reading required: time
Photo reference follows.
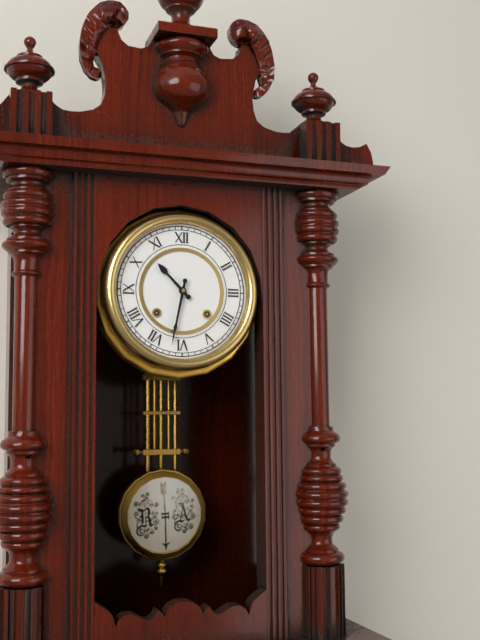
10:32
